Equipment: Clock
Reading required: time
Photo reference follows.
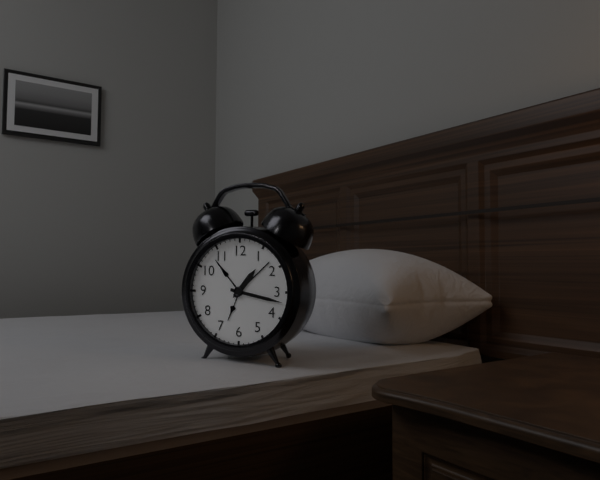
1:17
